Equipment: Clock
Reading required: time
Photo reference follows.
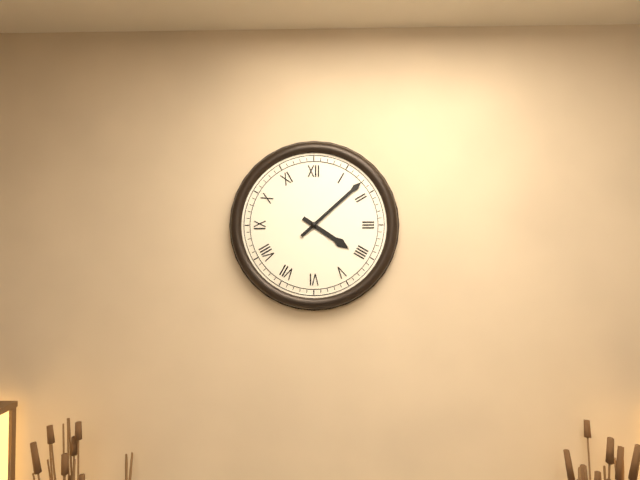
4:08
